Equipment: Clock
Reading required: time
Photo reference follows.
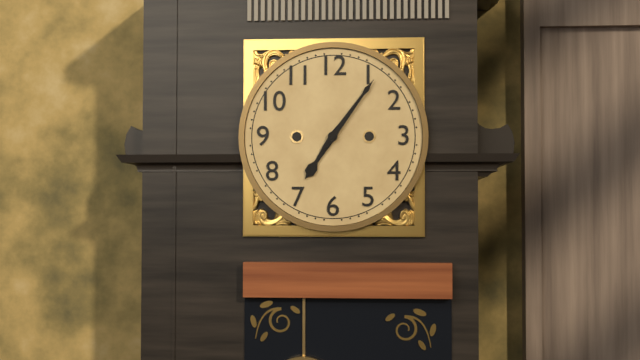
7:06
